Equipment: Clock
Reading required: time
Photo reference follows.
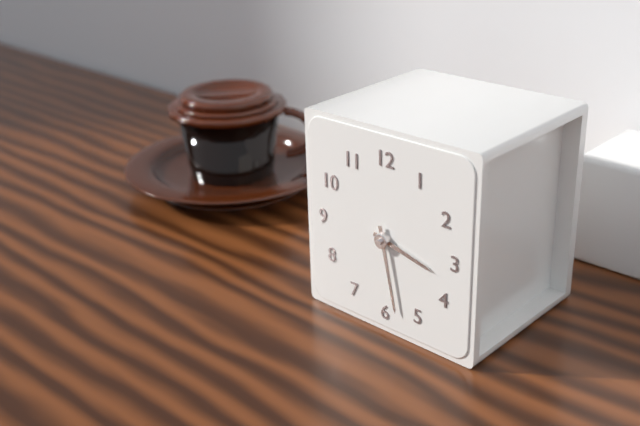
3:28
